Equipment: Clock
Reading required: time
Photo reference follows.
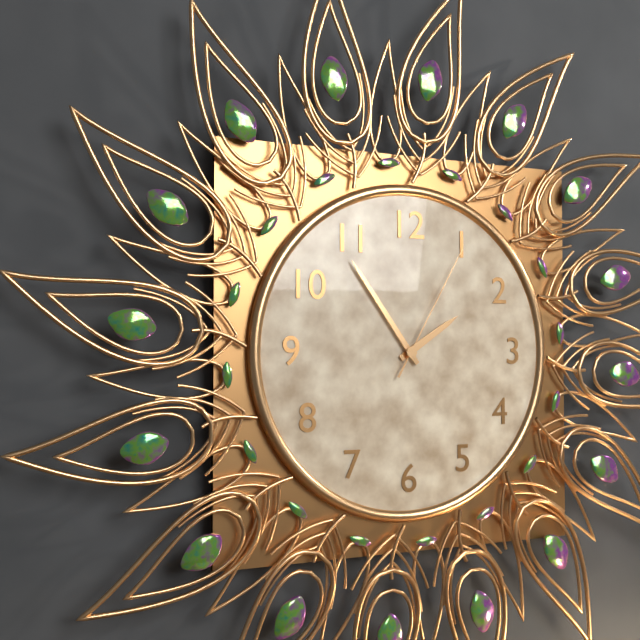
1:54:05
